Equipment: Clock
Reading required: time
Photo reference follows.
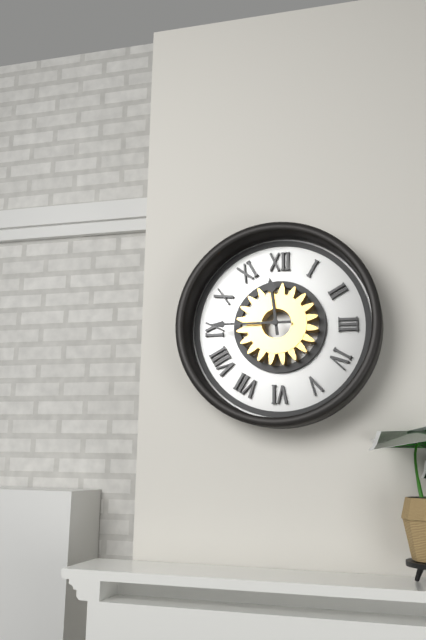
11:45
